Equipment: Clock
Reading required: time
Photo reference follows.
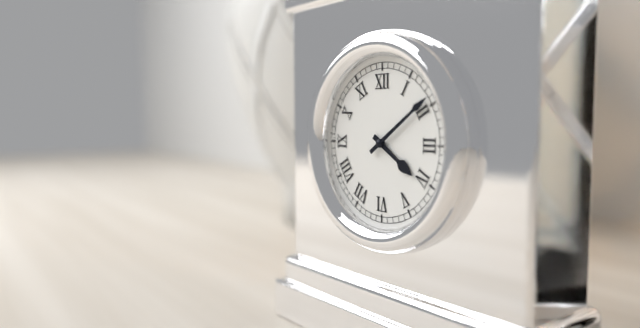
4:09
